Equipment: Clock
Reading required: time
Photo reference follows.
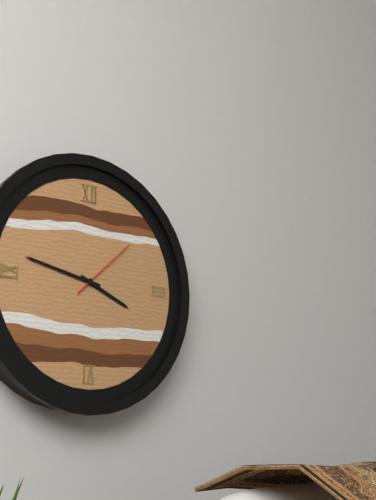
3:47:08
